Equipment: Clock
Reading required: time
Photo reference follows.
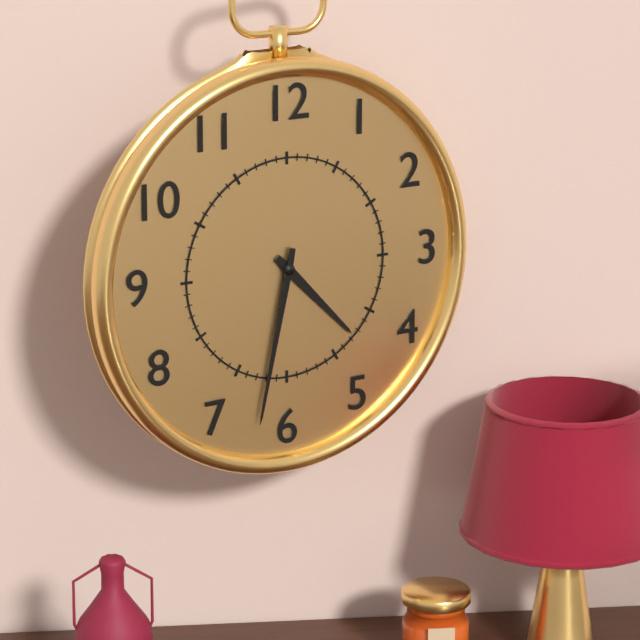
4:32
